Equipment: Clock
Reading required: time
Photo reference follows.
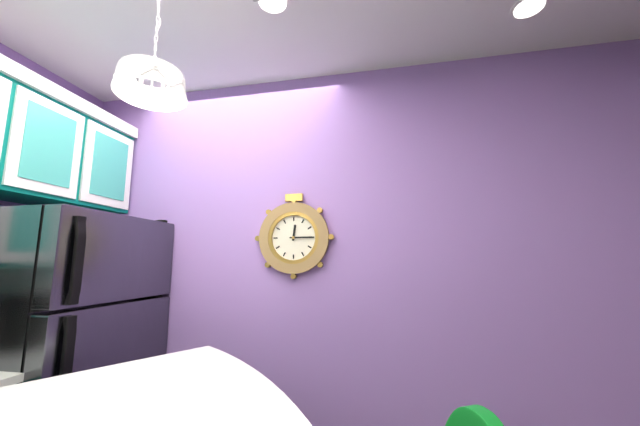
12:15
